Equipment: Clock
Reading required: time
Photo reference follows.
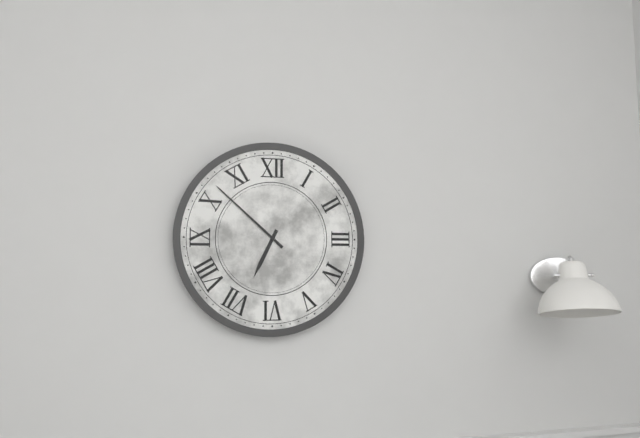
6:52
